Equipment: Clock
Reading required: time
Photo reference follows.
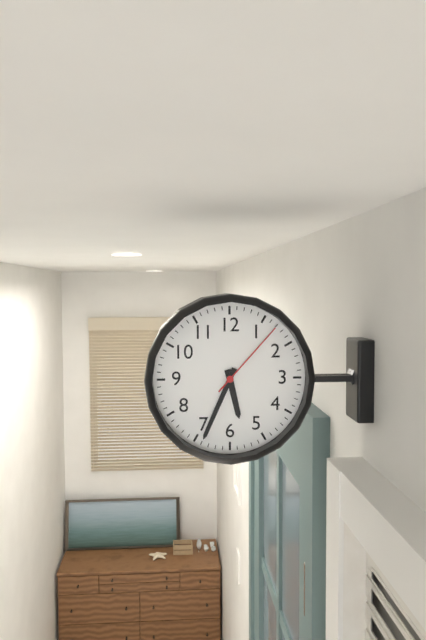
5:34:07
